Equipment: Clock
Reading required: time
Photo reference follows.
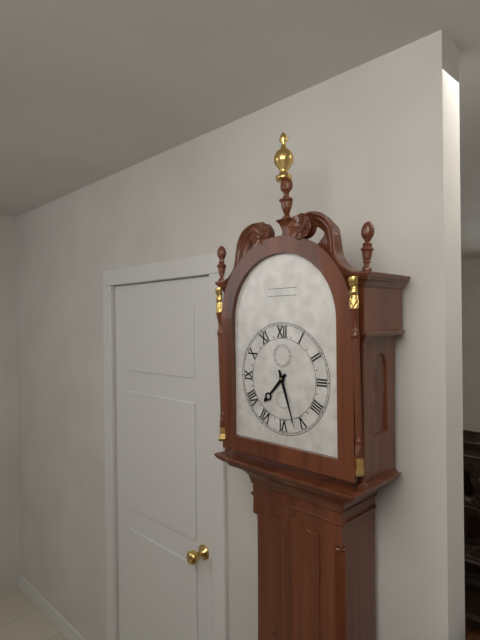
7:27
